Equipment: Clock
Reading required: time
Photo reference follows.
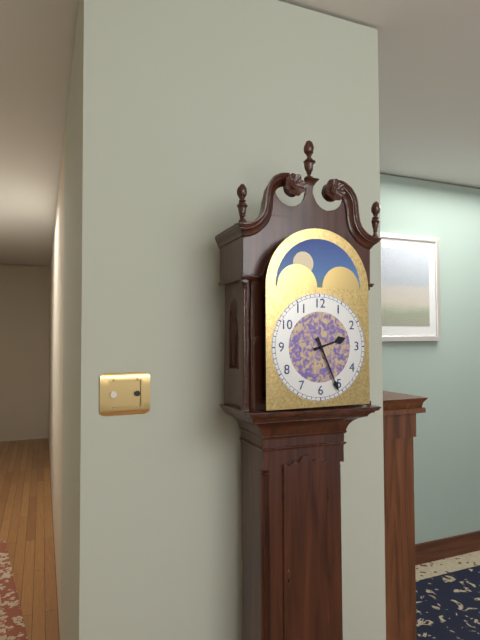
2:26
